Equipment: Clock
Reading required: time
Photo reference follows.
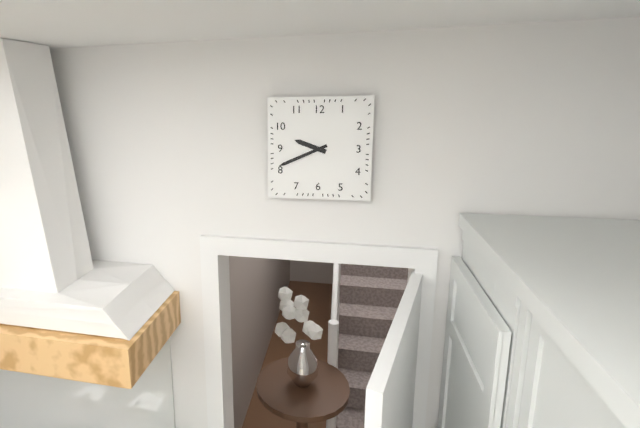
9:41
